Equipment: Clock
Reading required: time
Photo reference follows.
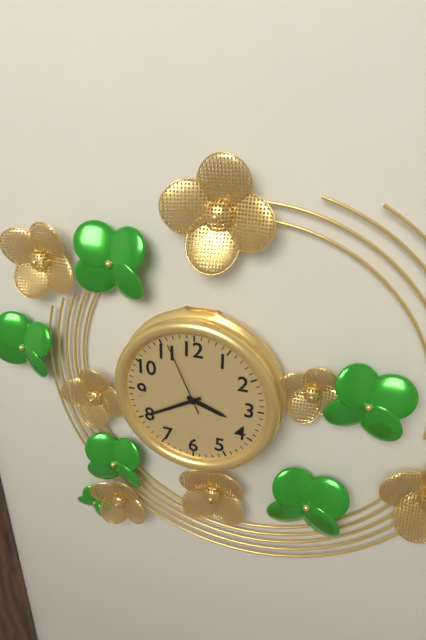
3:40:56
